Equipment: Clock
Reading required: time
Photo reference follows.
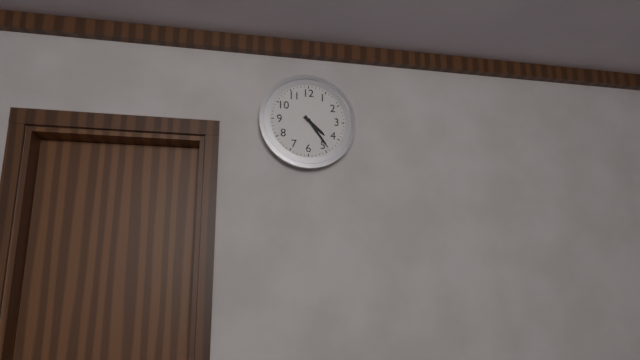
4:24
